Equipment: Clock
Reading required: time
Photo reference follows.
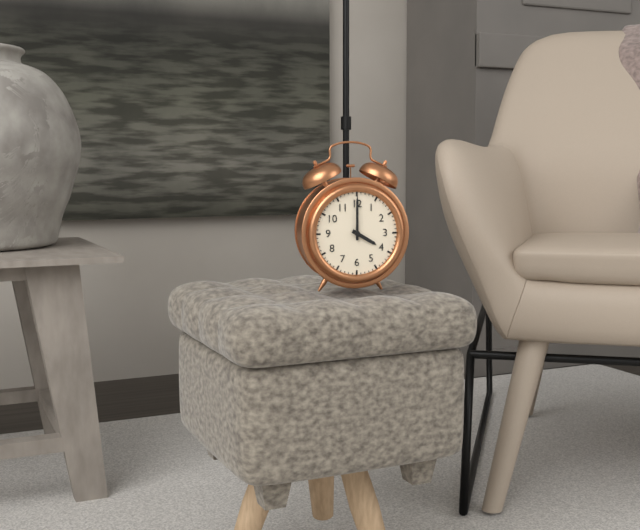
4:00
